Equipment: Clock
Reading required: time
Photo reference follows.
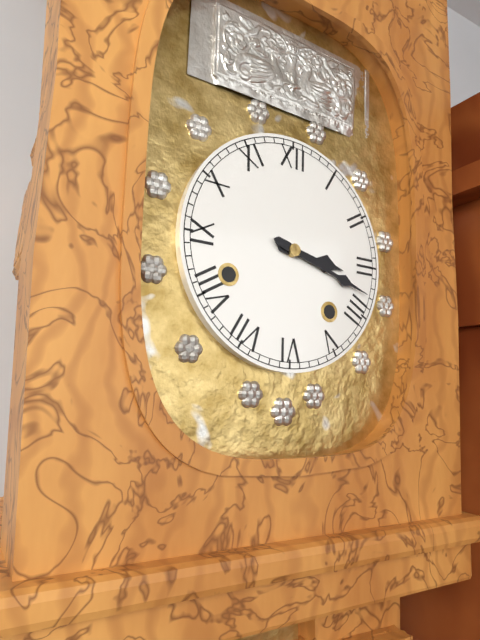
3:18
